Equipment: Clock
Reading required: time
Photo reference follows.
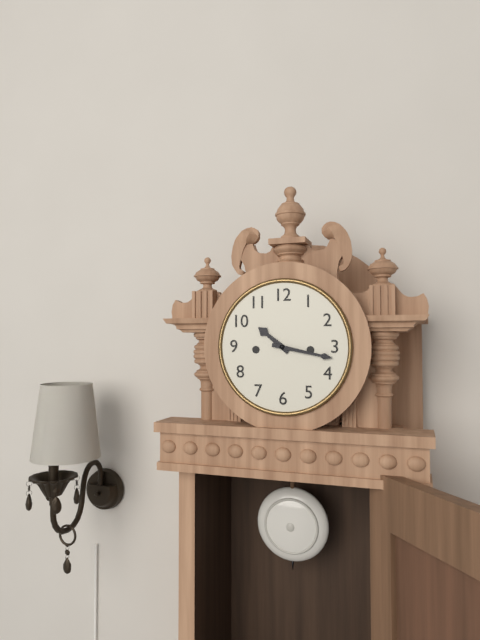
10:17
